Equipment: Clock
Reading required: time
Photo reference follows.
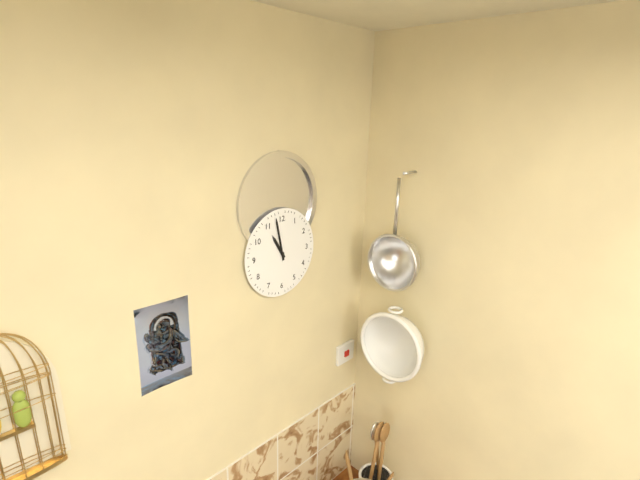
10:58
